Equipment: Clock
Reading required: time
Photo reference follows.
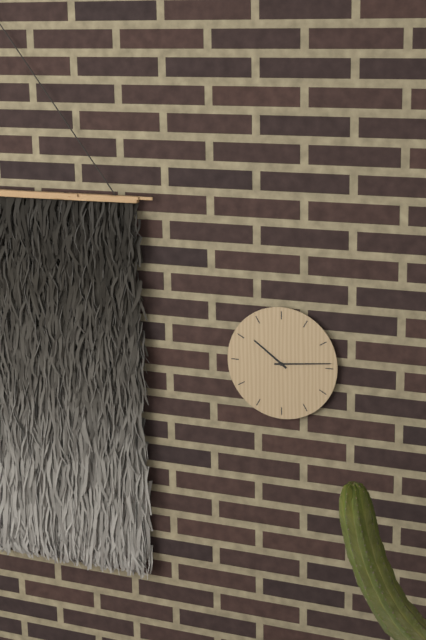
10:14
